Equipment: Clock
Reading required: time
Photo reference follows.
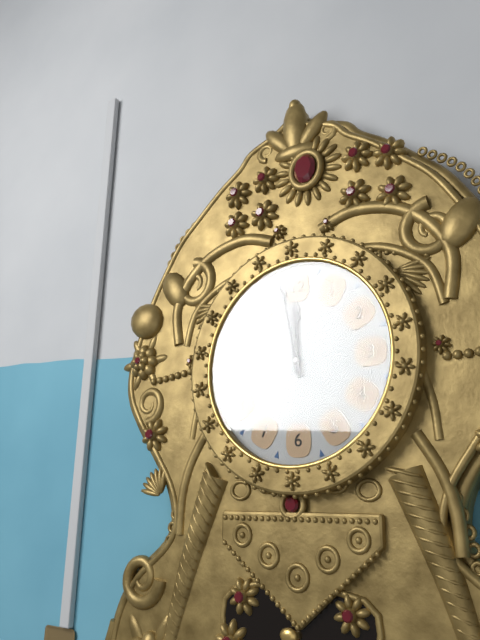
11:58
